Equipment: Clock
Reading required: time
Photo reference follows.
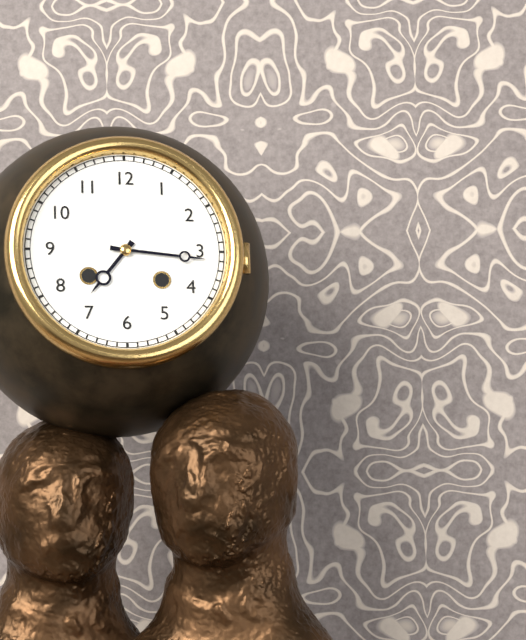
7:16
